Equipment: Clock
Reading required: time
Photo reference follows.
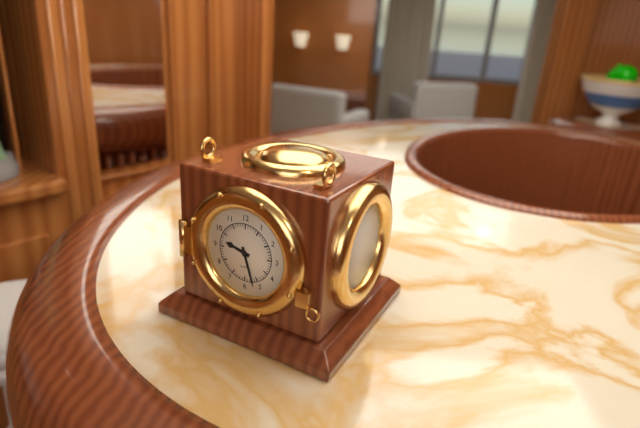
9:27
